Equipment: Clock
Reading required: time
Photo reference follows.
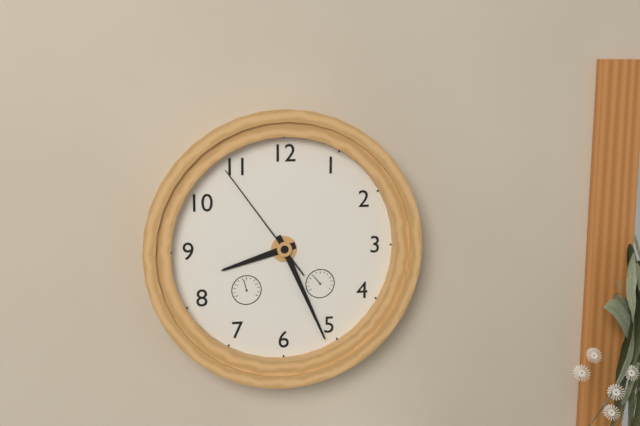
8:26:54
